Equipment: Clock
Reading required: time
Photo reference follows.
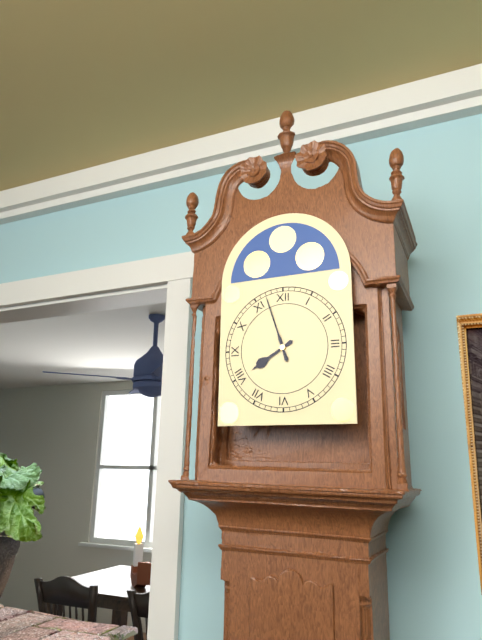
7:57
